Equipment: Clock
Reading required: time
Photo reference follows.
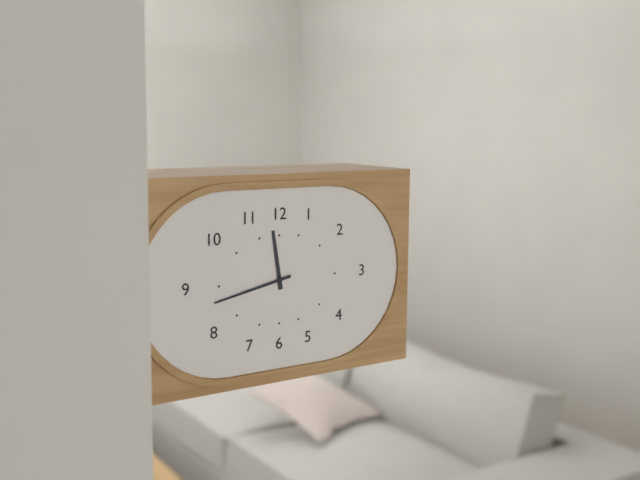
11:43
